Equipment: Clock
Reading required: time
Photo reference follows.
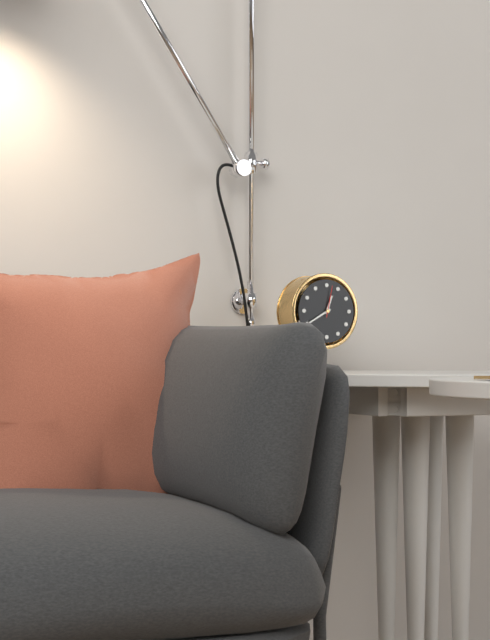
12:40
